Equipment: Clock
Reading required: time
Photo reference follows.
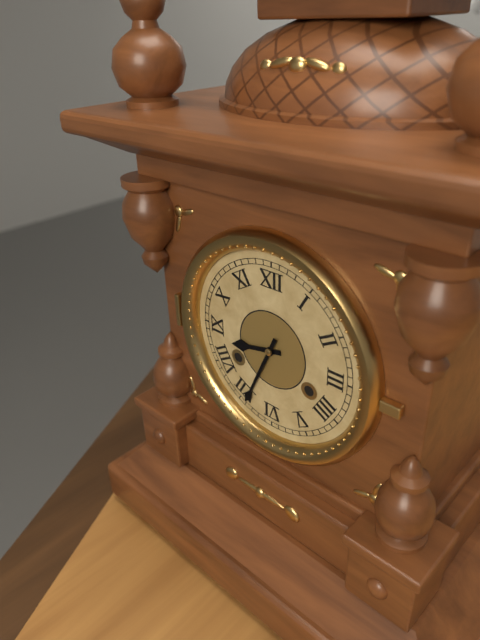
8:34
